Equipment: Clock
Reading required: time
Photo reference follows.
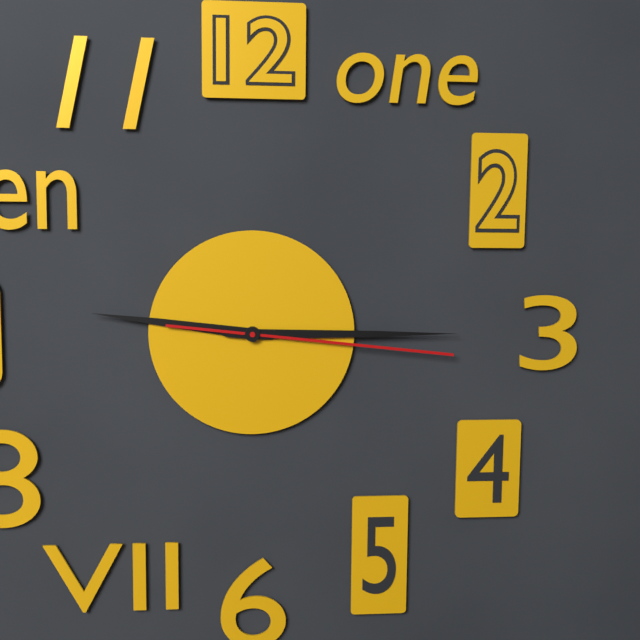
9:15:16
